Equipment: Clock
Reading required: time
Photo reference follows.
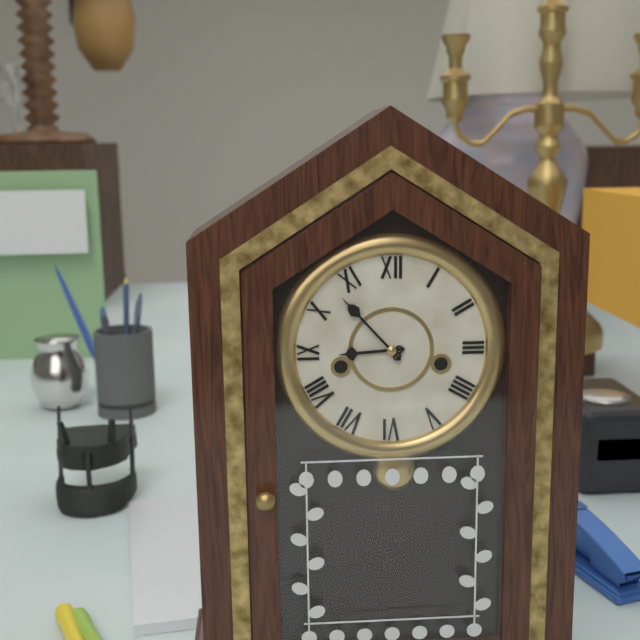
8:53
